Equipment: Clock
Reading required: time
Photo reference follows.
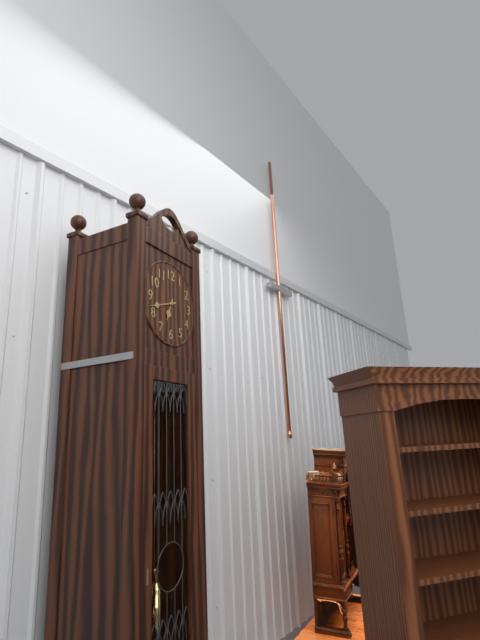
6:42
